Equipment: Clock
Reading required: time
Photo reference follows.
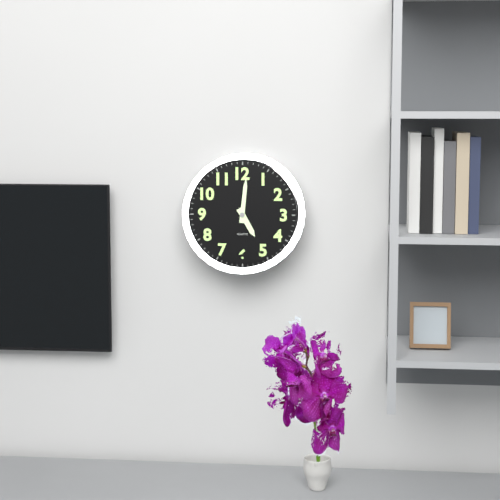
5:01
